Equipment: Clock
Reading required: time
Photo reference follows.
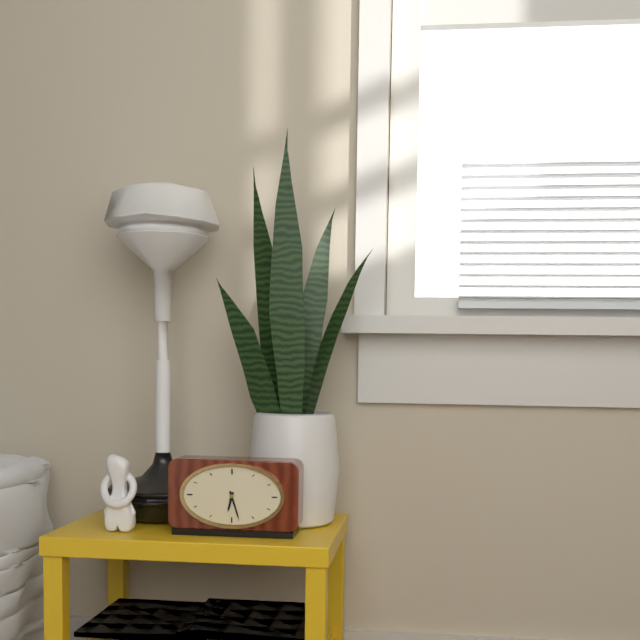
6:27
